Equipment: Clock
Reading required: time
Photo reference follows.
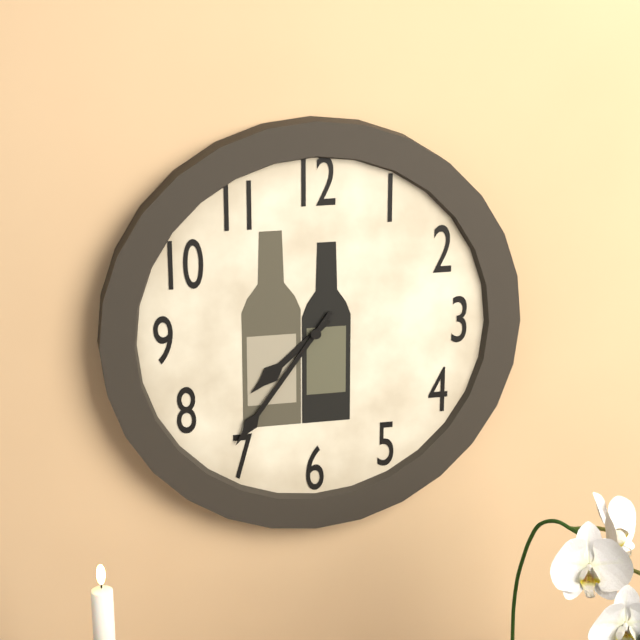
7:36
